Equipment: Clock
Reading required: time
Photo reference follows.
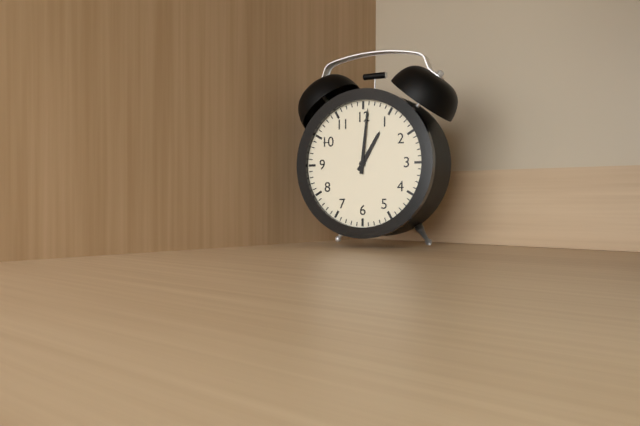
1:01
